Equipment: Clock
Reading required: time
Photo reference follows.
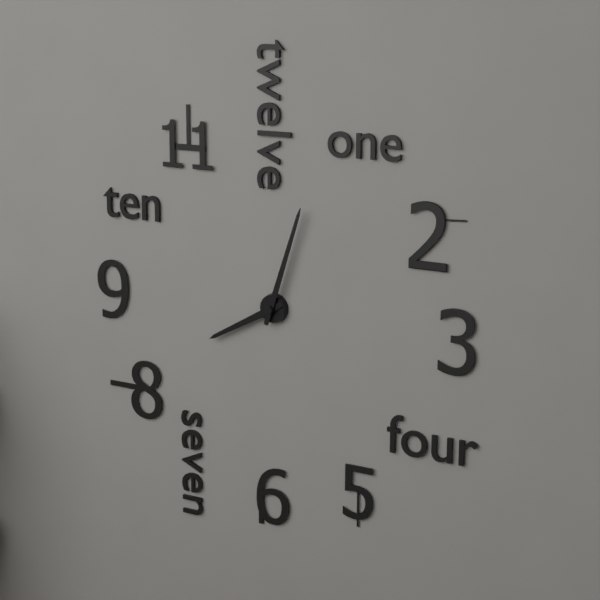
8:03
